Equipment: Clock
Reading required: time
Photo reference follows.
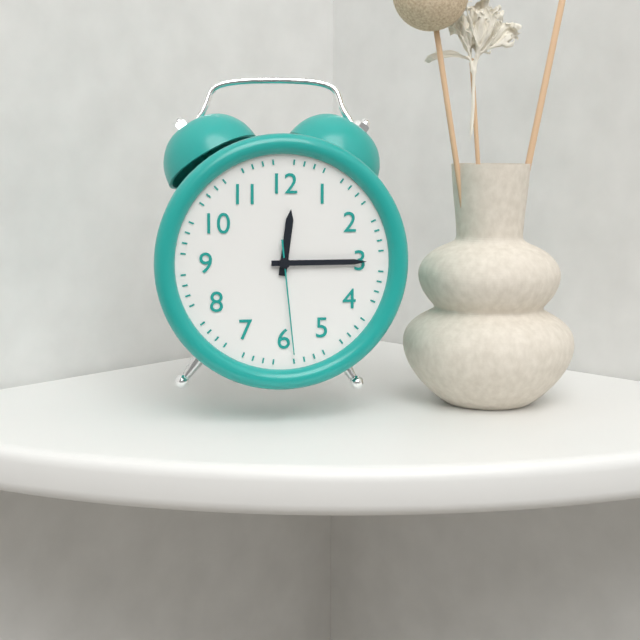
12:15:29
